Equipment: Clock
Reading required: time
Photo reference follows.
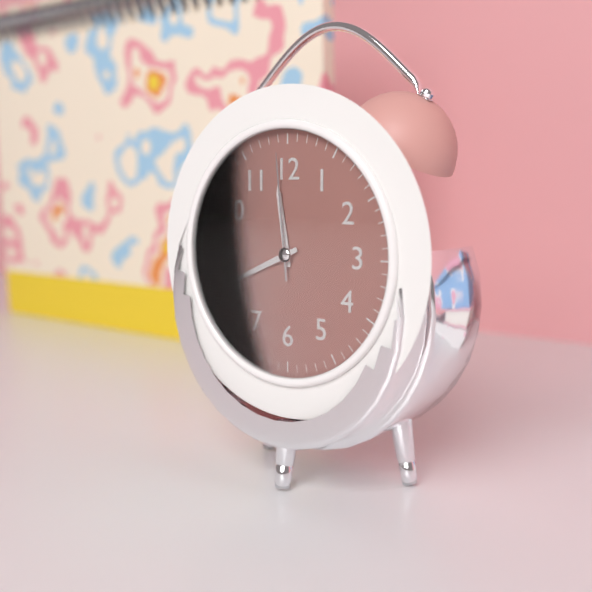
11:41:59
